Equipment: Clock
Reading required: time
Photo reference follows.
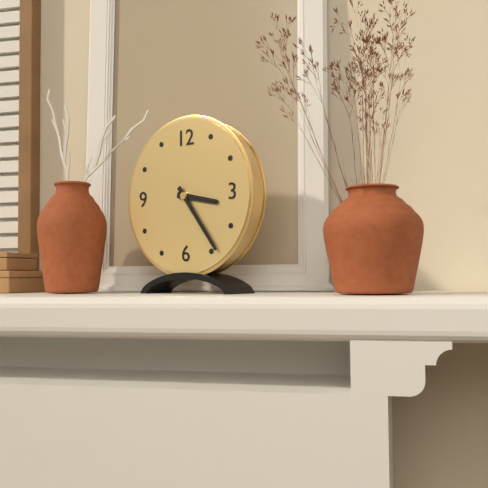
3:24
